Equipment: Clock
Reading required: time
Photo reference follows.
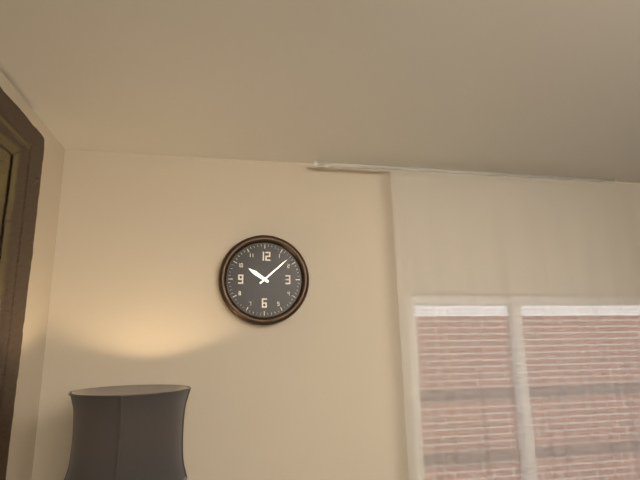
10:08
